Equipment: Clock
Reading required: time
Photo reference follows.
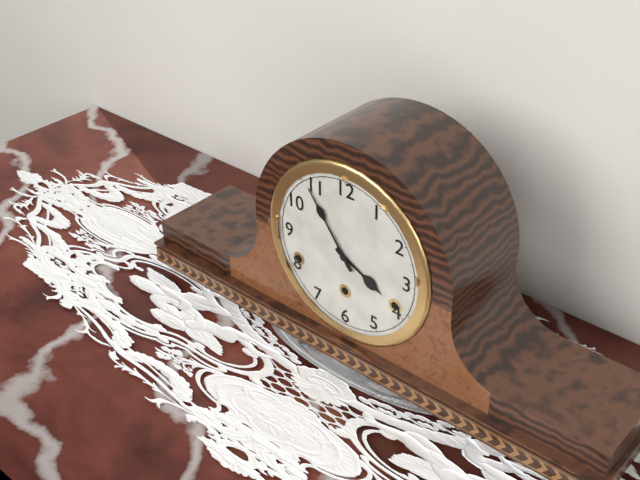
3:54
